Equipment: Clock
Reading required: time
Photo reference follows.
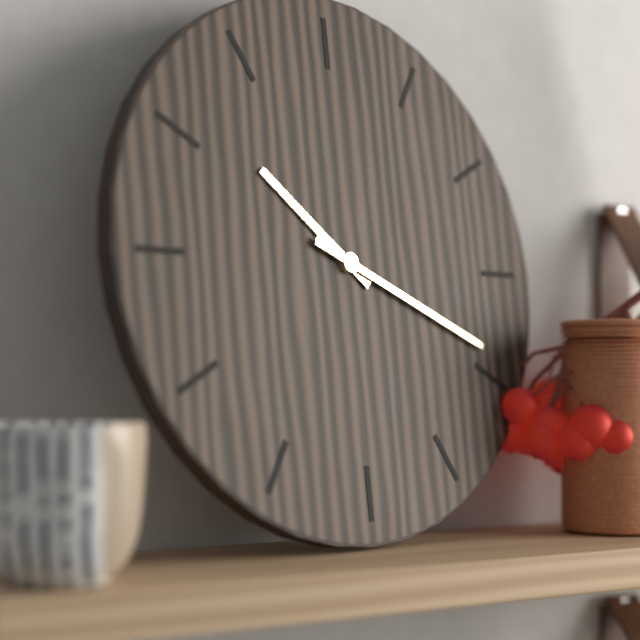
10:19
